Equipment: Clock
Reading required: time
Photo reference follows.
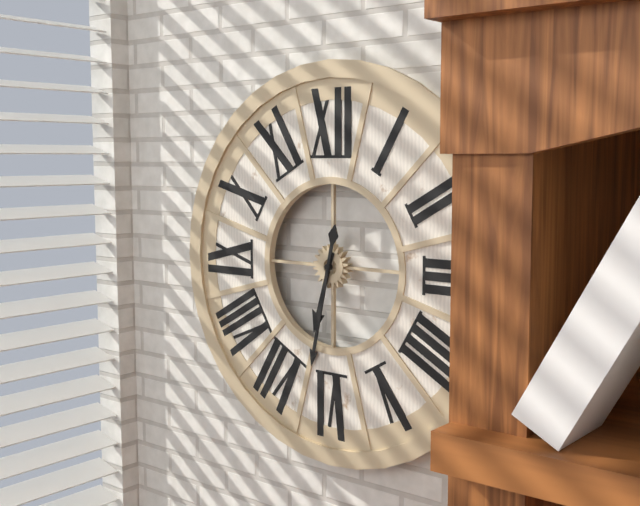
6:32
